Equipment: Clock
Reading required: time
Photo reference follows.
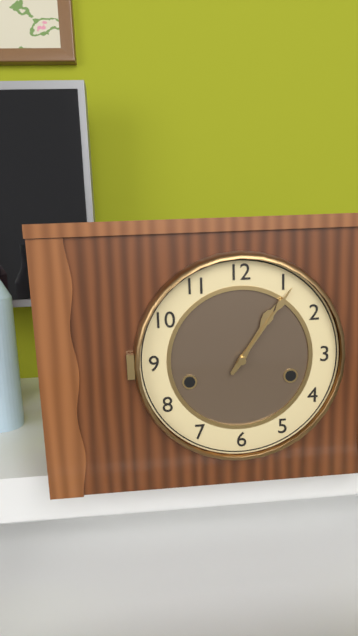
1:06
